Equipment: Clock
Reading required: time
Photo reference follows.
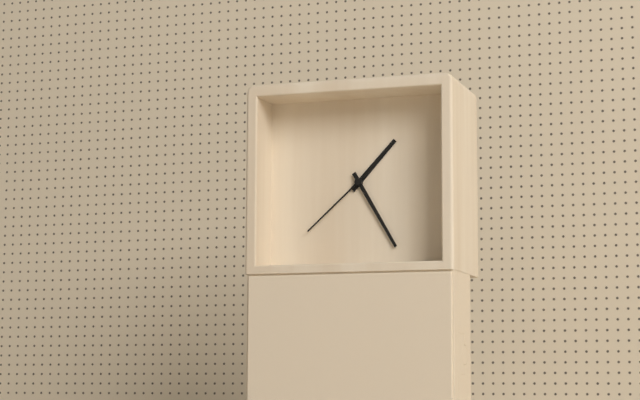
1:25:38
